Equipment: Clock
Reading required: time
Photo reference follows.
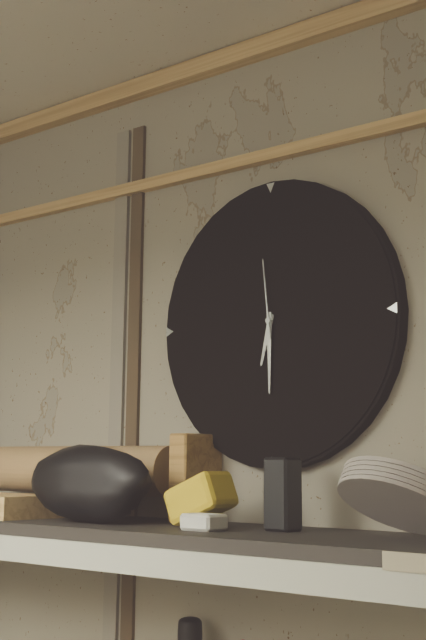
6:30:59
